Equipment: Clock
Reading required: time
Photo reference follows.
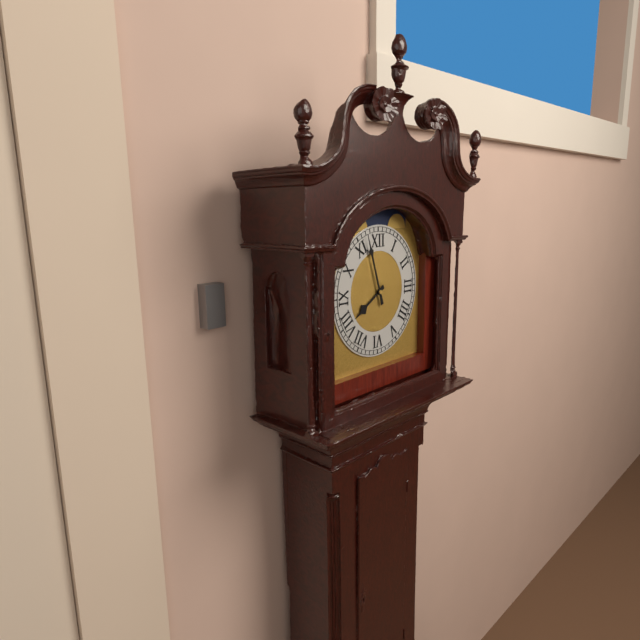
7:57
